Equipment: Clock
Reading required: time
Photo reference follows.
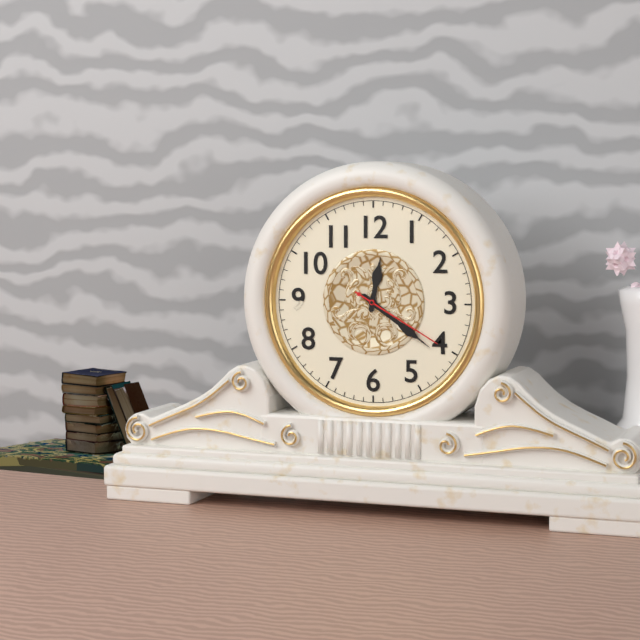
12:21:20
